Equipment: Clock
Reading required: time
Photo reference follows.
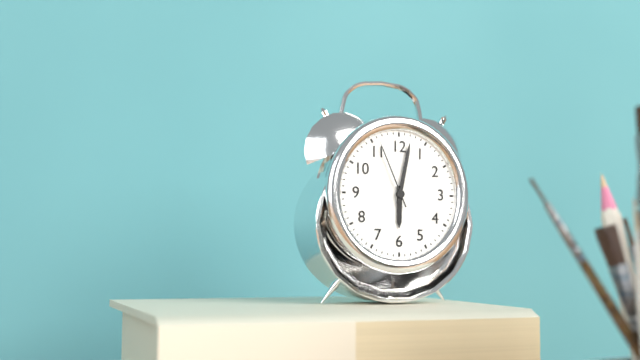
6:02:56
